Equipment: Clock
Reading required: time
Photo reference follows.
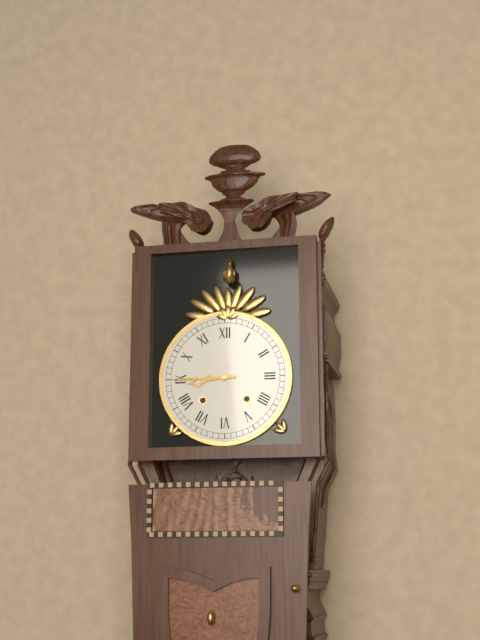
8:45
